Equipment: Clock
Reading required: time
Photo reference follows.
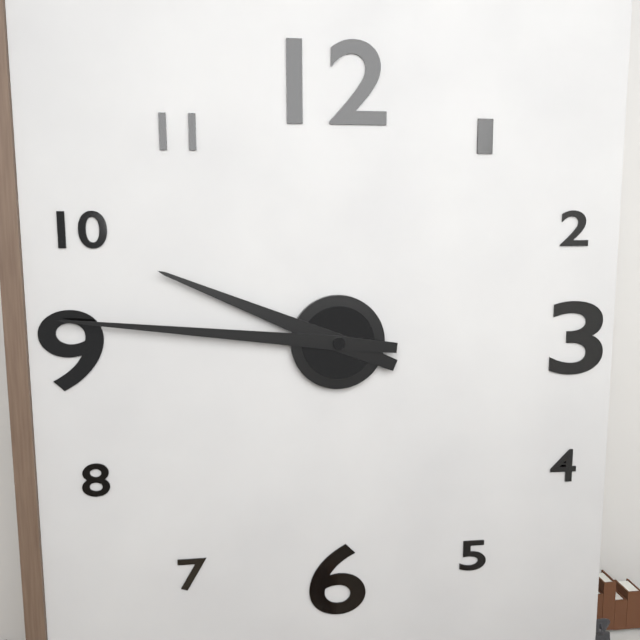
9:46
